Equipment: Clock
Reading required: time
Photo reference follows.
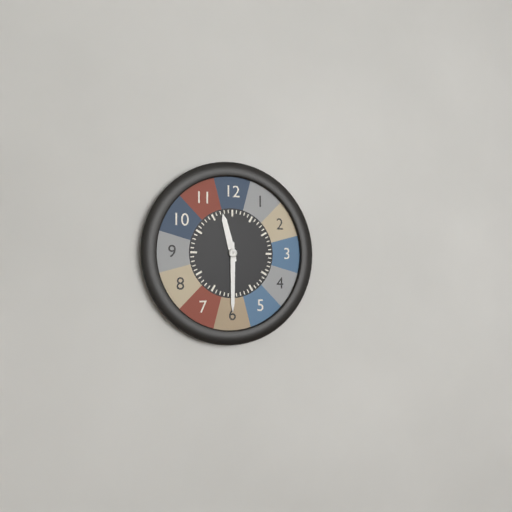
11:30
